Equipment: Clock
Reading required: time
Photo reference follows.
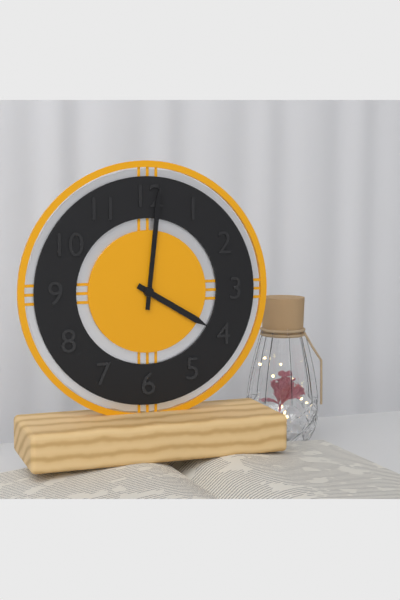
4:01
